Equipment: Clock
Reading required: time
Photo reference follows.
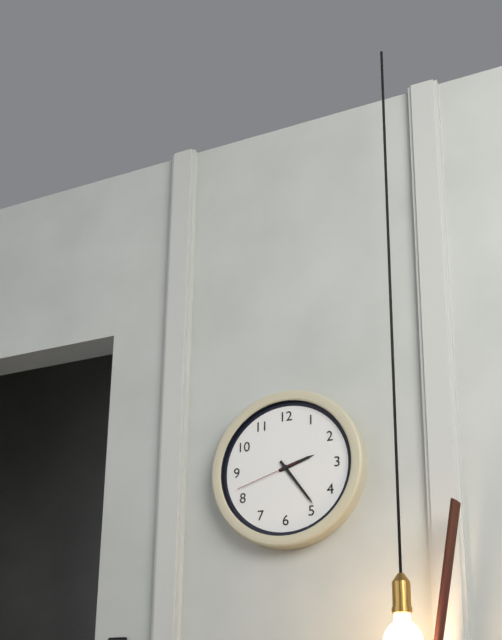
2:24:42
